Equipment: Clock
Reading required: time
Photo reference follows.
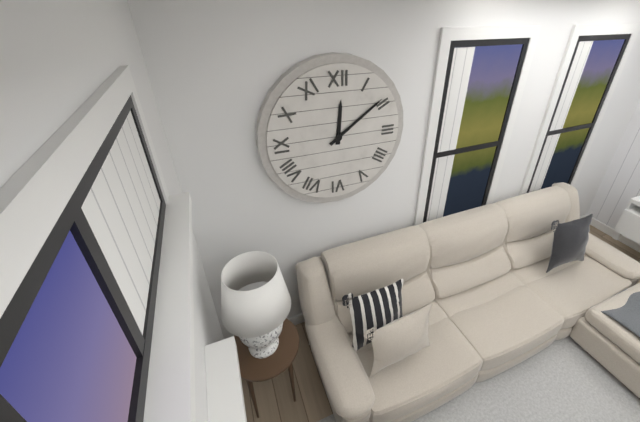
12:09
